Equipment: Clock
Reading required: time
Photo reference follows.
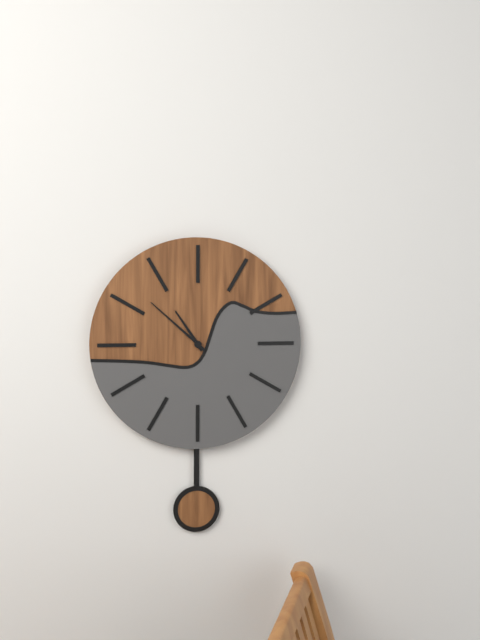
10:52
